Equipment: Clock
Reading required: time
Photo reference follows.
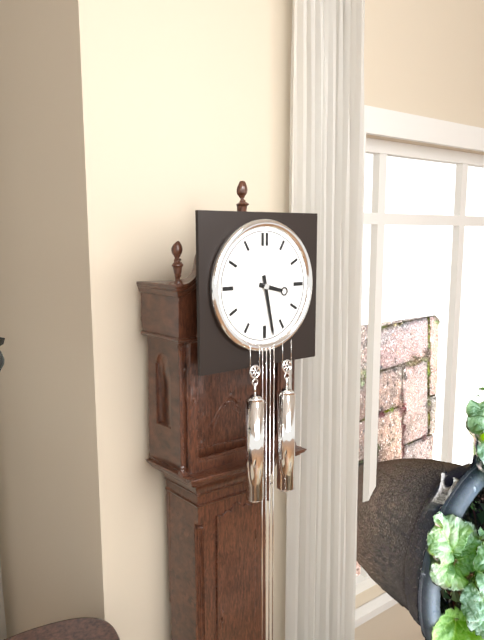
3:28
